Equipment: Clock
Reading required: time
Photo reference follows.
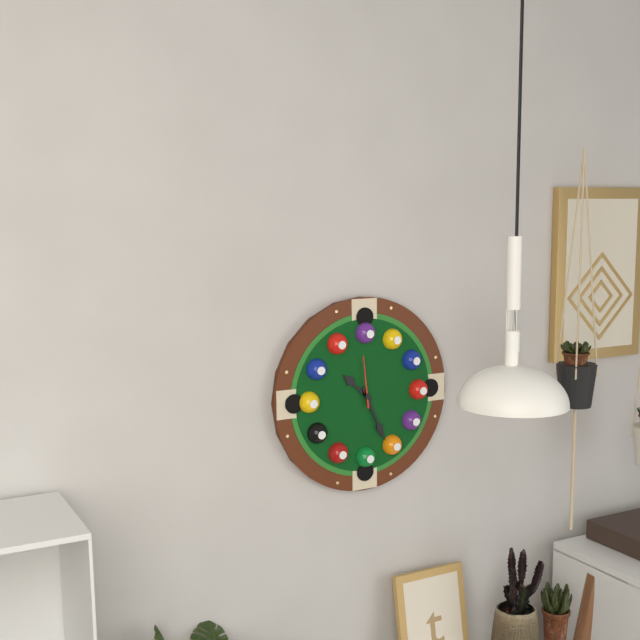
10:26:59
